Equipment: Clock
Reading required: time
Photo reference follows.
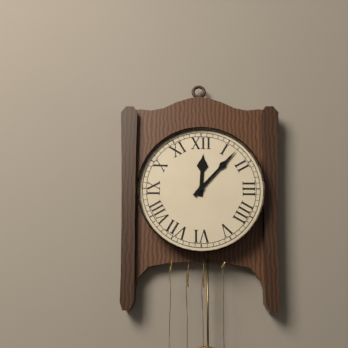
12:07
